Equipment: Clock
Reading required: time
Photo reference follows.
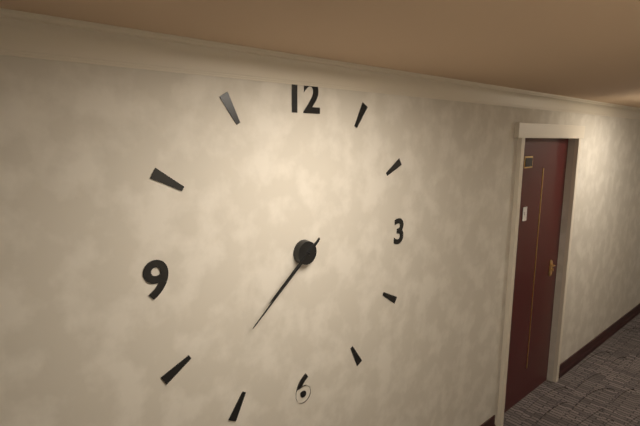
7:38
